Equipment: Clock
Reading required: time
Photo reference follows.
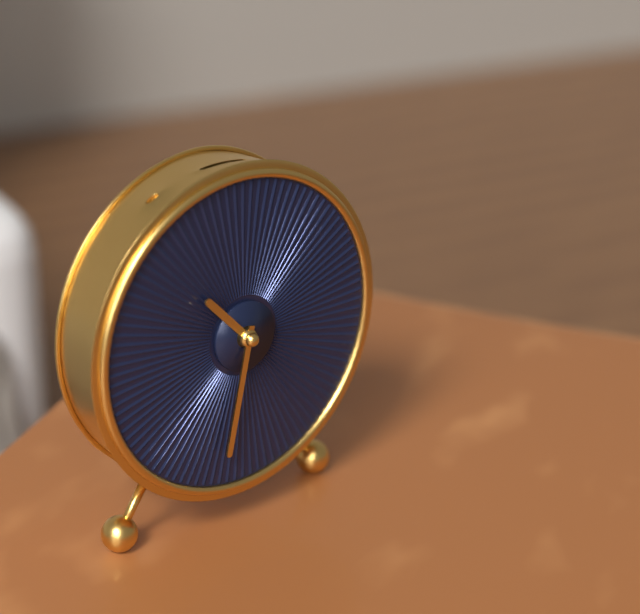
10:32
